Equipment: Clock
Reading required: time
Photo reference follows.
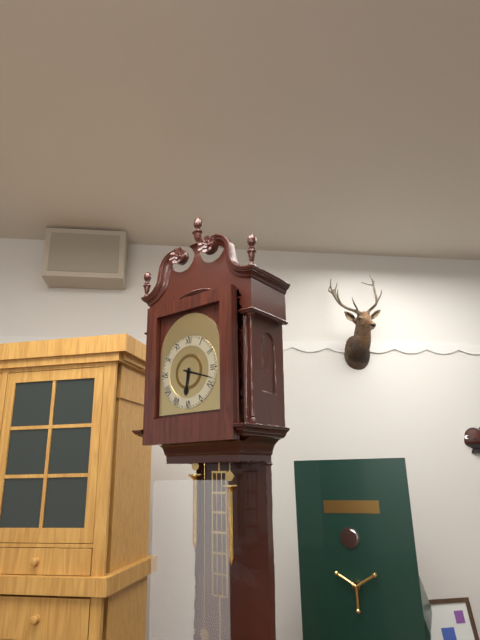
6:18
